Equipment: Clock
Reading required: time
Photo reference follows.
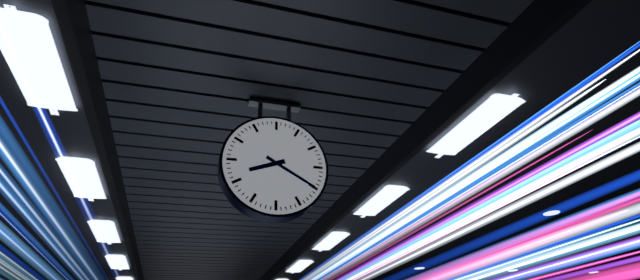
8:20
